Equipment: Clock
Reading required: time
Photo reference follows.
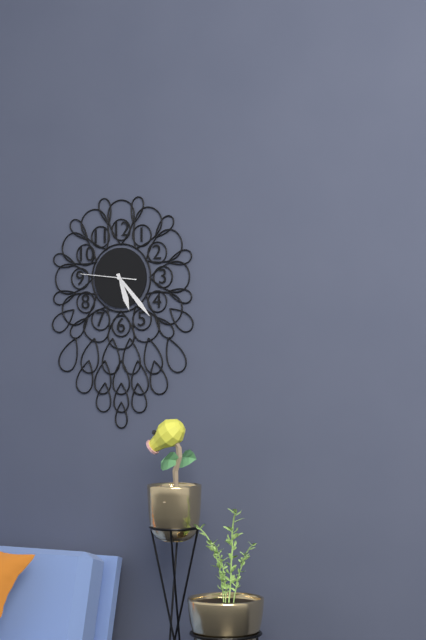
5:23:46
